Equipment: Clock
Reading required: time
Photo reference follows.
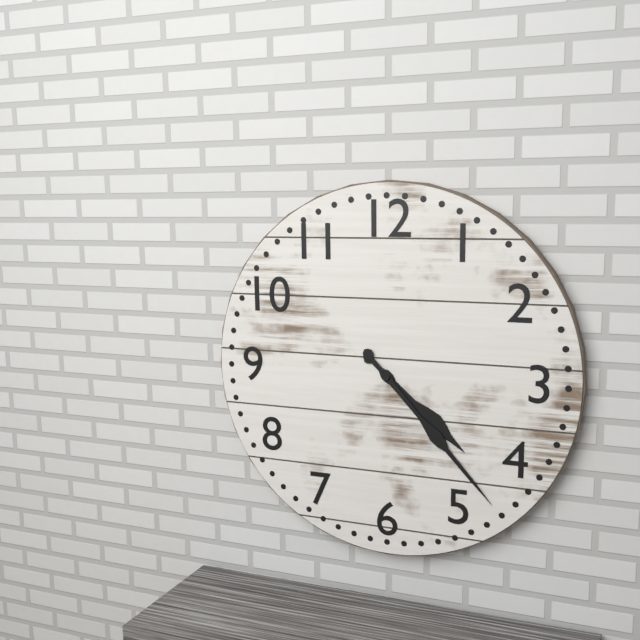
4:23
